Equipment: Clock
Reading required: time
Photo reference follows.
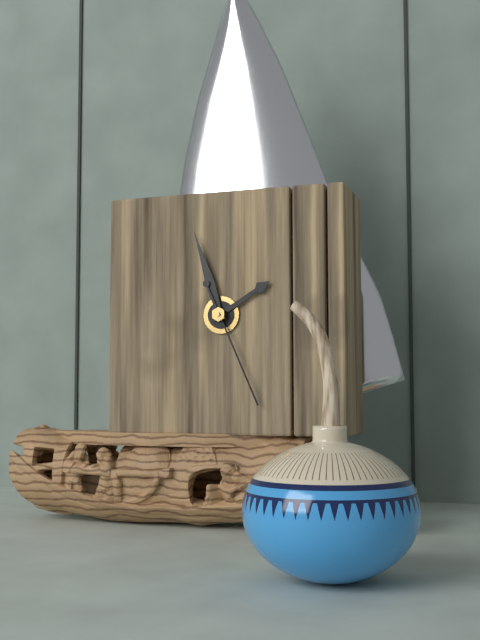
1:57:26
